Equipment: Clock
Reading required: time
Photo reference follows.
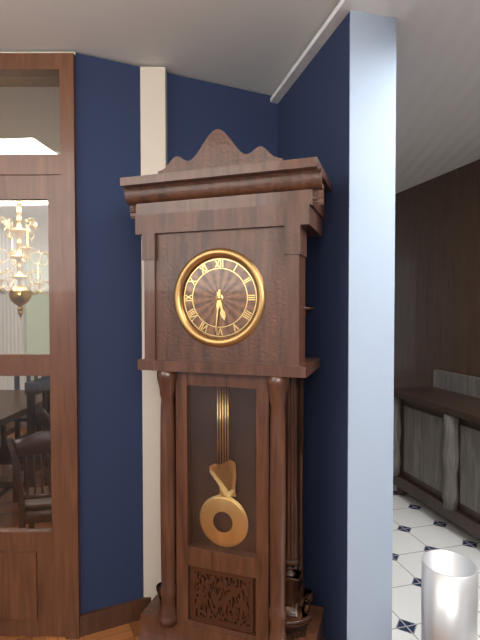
5:31
